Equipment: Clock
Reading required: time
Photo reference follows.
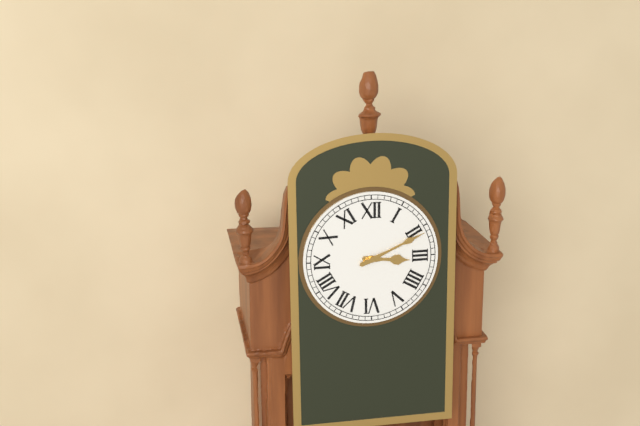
3:11
